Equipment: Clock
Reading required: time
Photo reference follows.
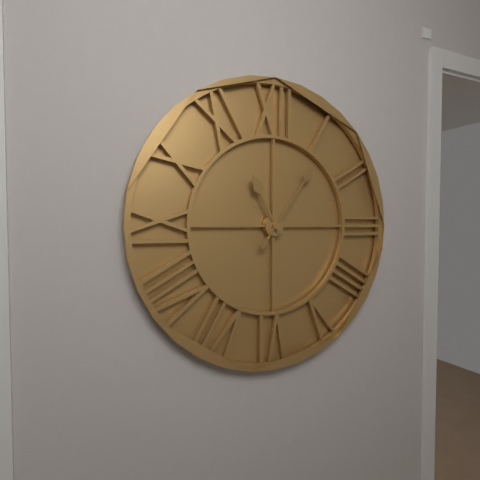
11:06
